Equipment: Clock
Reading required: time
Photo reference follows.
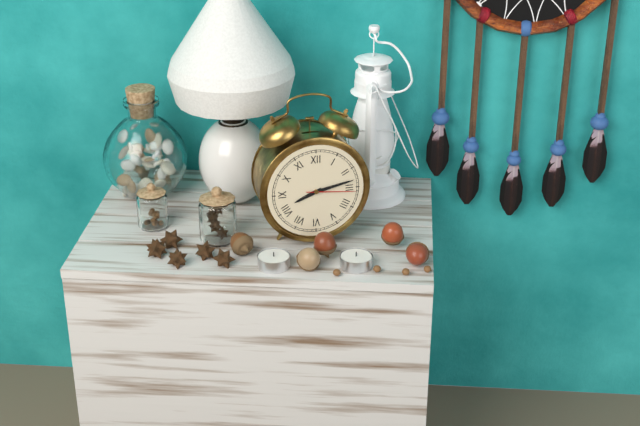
8:13:16
